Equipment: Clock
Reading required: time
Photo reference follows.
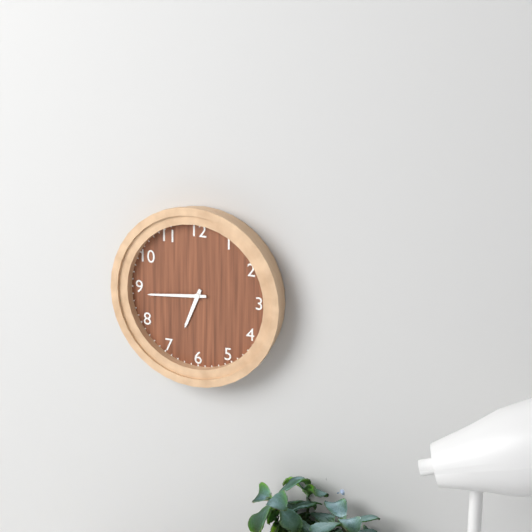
6:44
